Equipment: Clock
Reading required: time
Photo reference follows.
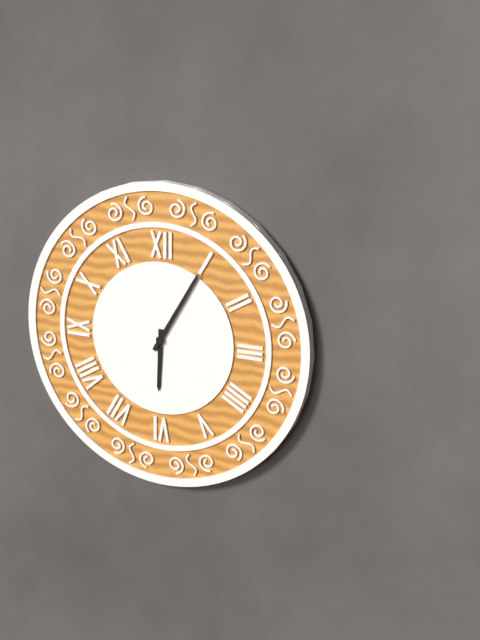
6:05
